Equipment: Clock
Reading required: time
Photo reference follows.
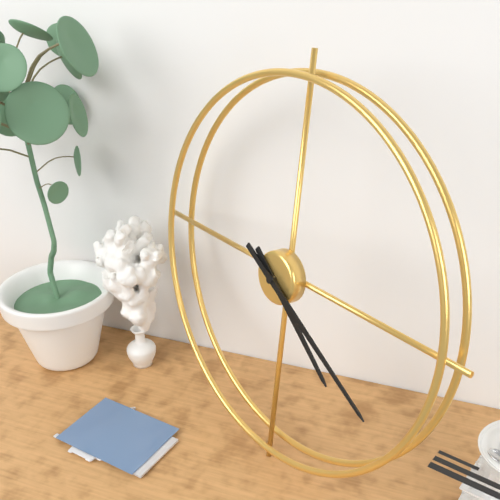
4:20
